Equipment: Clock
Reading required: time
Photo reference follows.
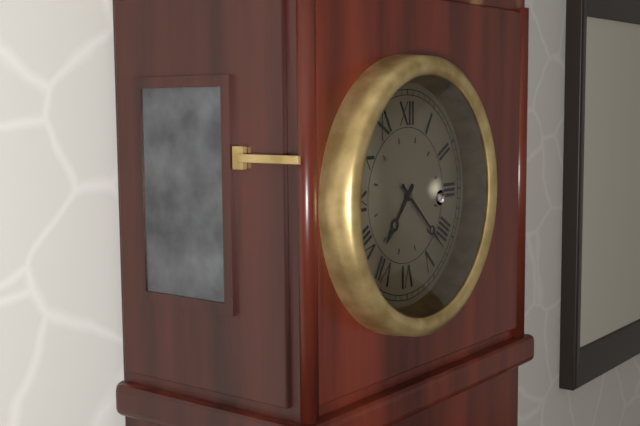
7:22
